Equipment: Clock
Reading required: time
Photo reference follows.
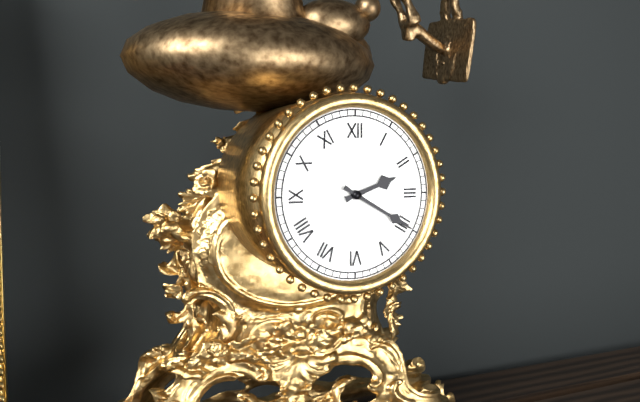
2:20
